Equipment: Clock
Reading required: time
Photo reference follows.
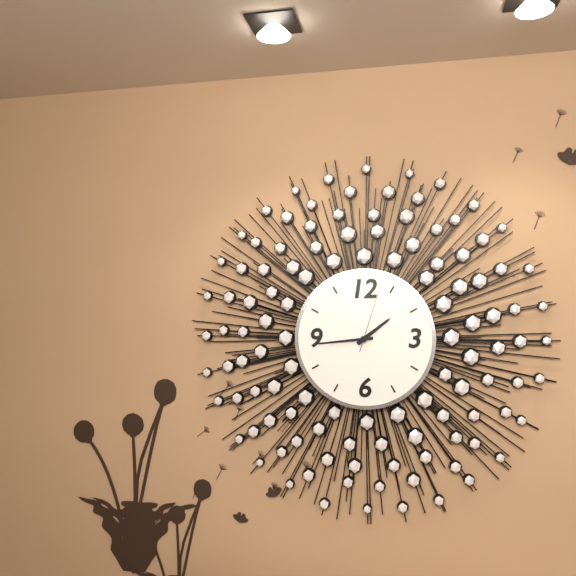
1:44:03
